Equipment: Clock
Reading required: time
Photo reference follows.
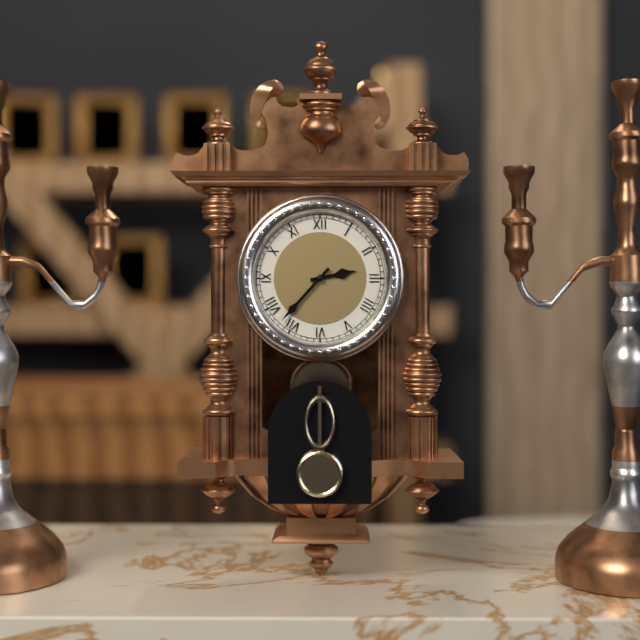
2:37
